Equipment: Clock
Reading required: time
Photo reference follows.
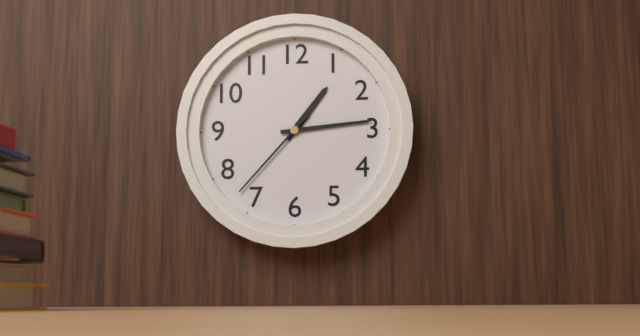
1:14:37
